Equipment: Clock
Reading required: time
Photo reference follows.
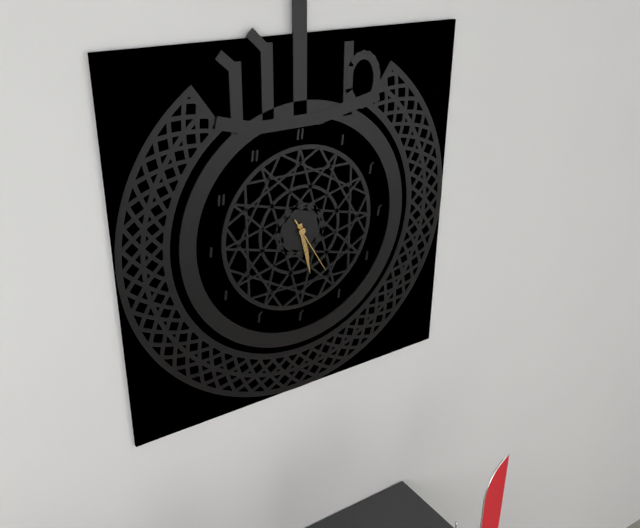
5:28:25
